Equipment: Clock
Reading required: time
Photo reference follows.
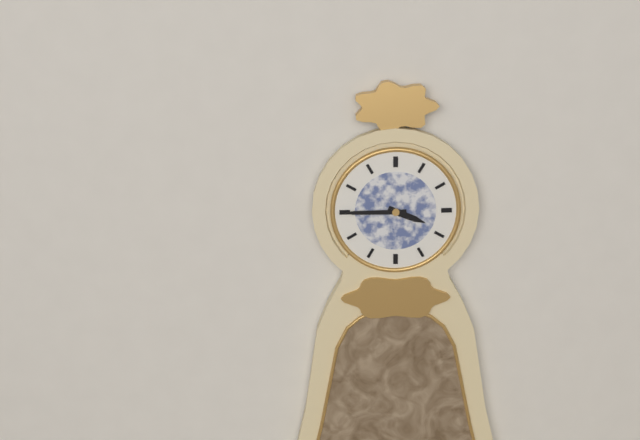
3:45
